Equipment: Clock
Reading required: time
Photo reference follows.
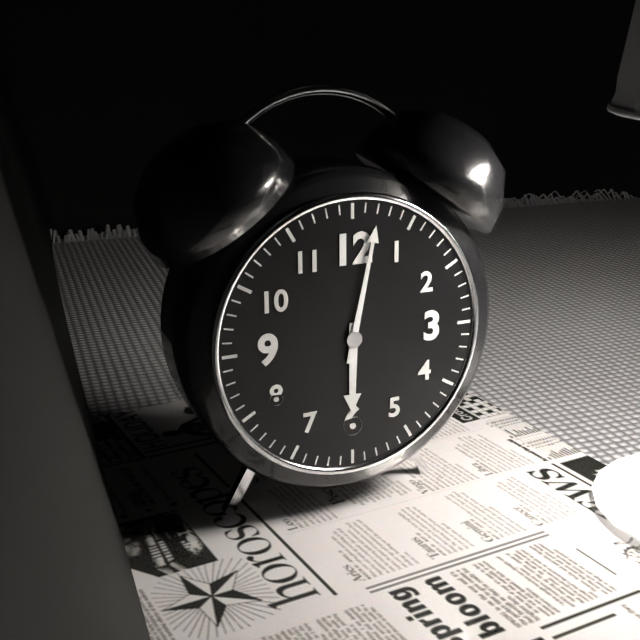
6:02
